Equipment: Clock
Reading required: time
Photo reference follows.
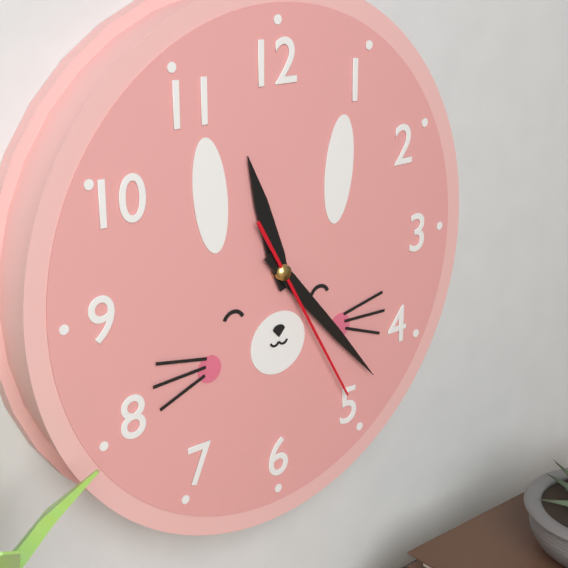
11:23:25
